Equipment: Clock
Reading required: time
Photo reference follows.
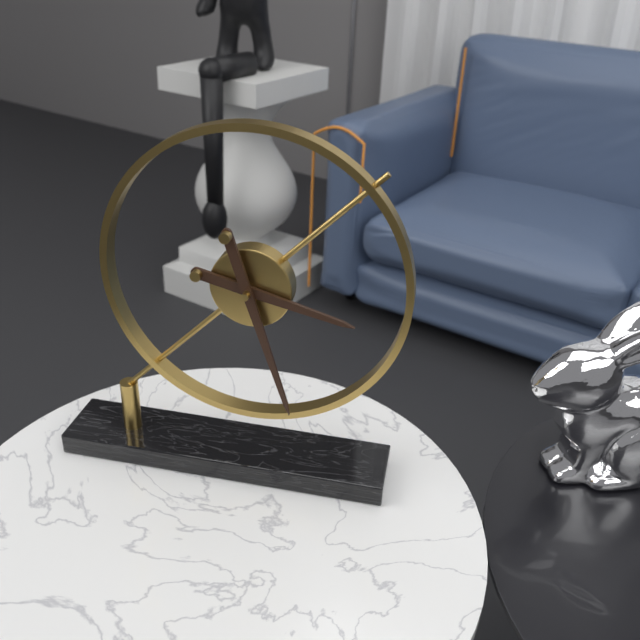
3:27
